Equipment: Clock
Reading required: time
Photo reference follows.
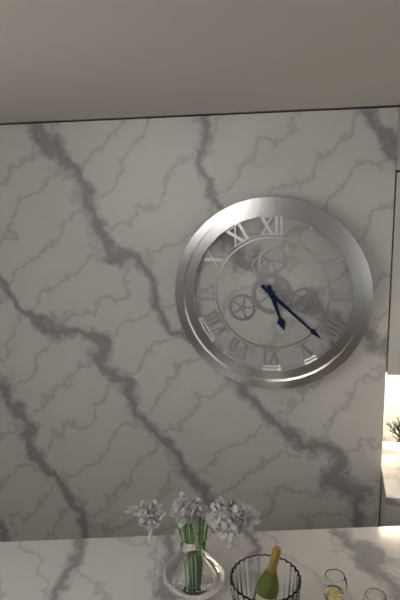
5:22
